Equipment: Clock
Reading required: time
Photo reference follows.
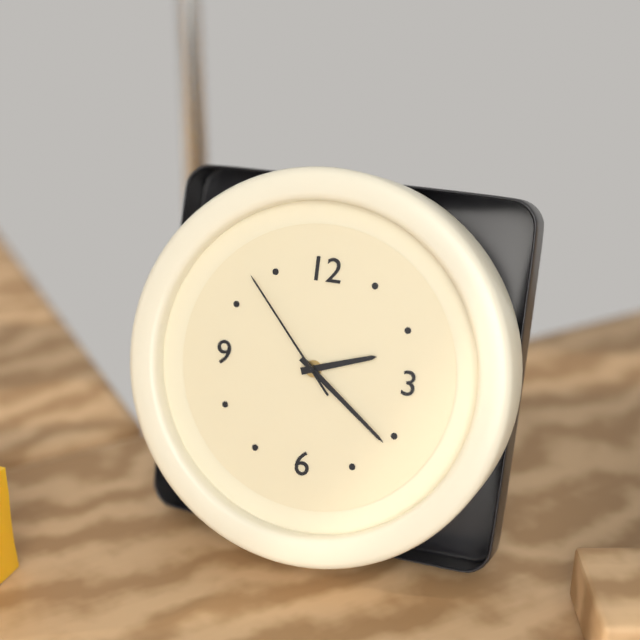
2:21:53
